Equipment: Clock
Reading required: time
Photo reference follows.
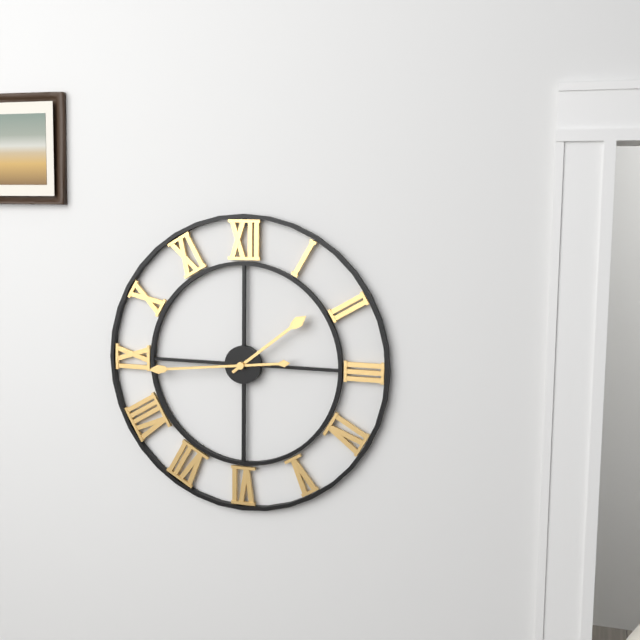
1:44
